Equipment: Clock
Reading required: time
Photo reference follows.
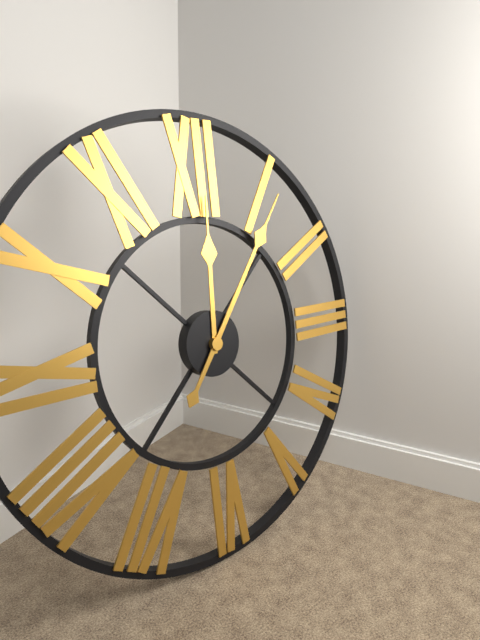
12:06
